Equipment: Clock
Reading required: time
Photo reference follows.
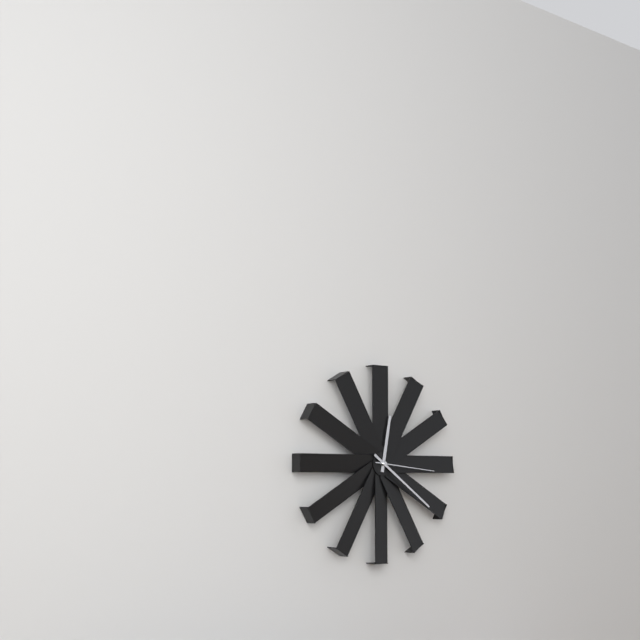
12:21:16
